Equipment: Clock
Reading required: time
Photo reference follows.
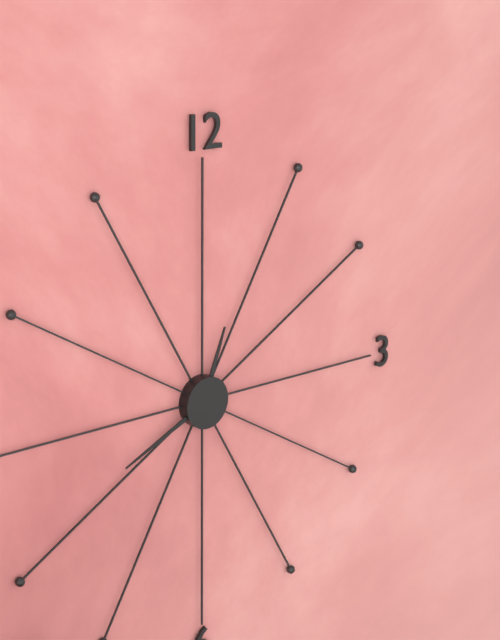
12:41
